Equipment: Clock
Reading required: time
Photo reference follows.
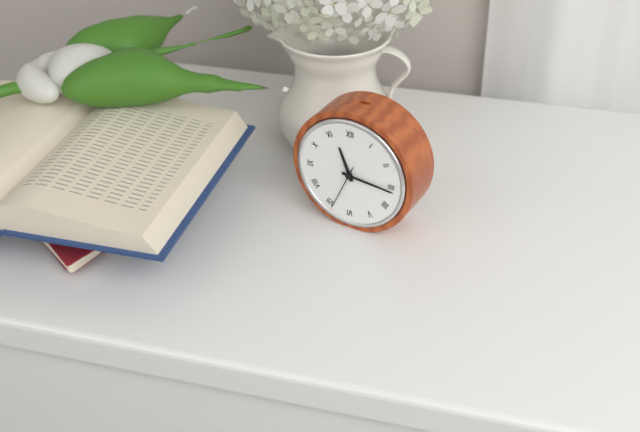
11:16
